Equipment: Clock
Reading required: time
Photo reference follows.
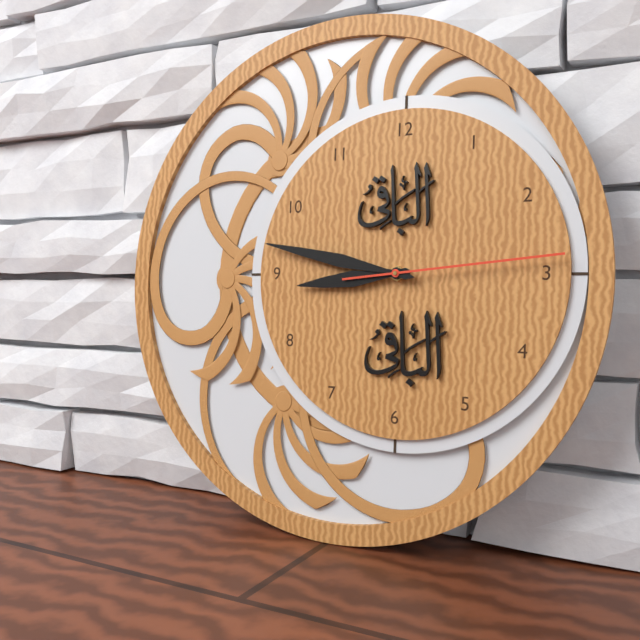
8:47:14
